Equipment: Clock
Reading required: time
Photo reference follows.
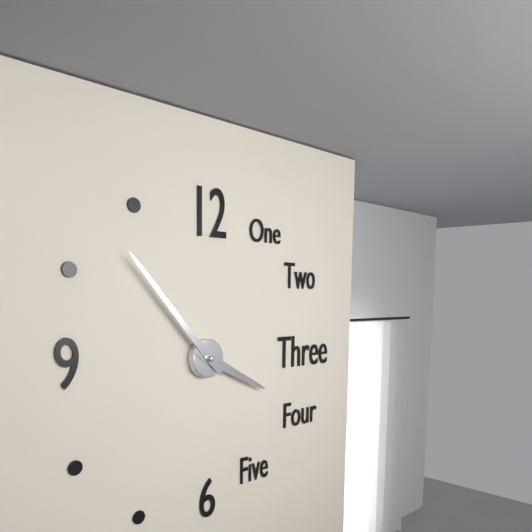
3:53
